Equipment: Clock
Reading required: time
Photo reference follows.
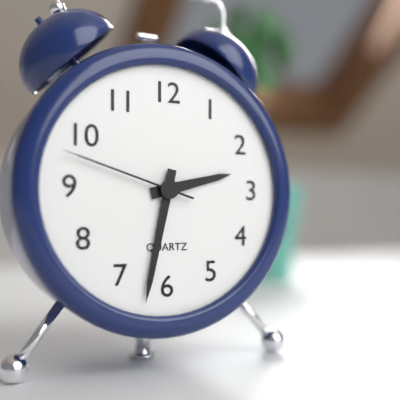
2:32:48
